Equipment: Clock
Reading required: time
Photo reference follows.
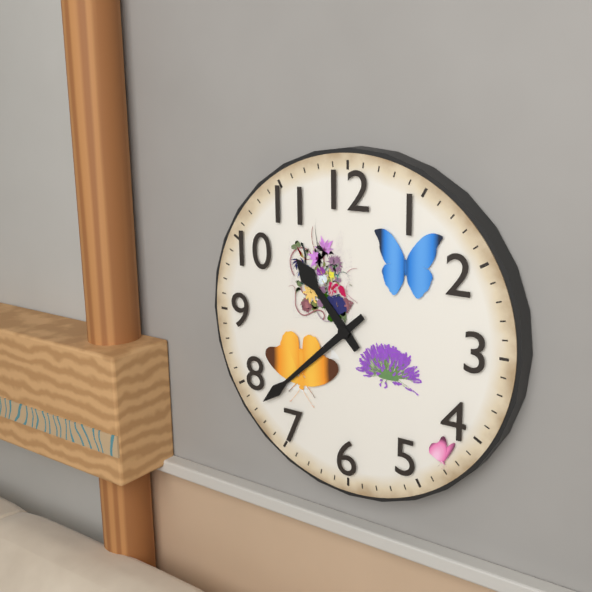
10:38
